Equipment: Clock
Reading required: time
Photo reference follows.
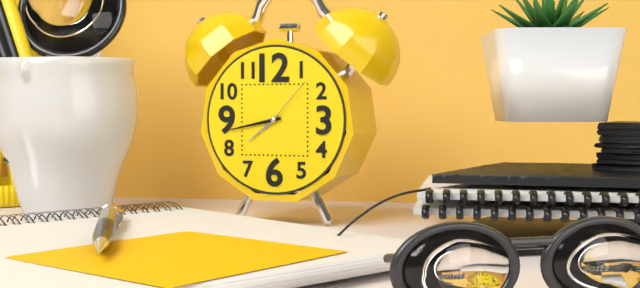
7:43:07
